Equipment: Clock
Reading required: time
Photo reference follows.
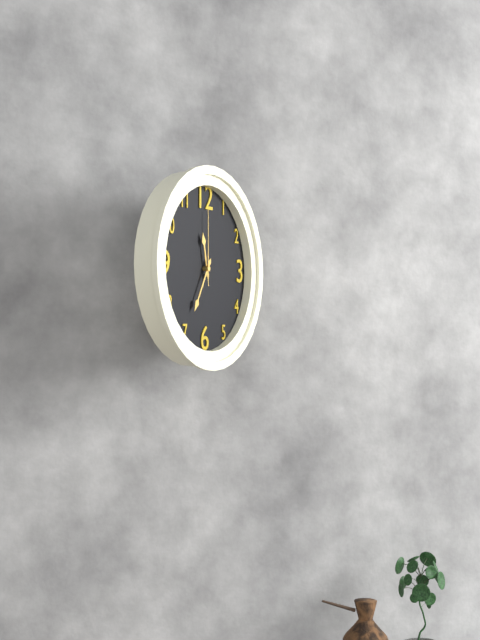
11:35:00
